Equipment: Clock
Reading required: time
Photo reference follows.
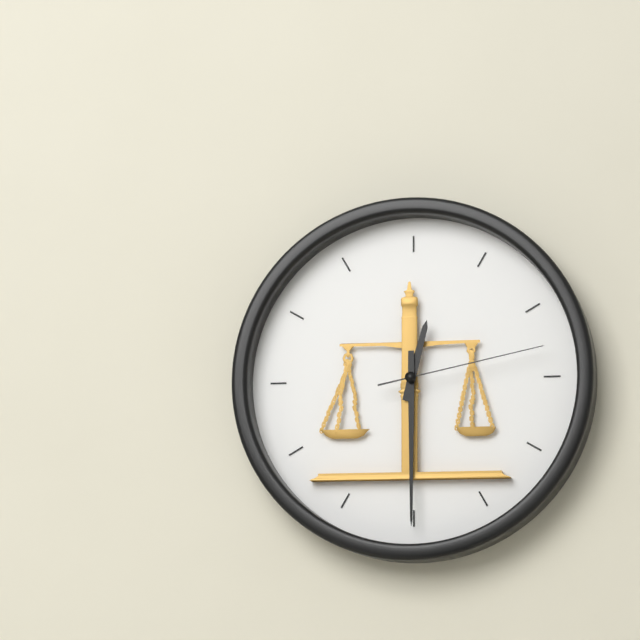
12:30:13
